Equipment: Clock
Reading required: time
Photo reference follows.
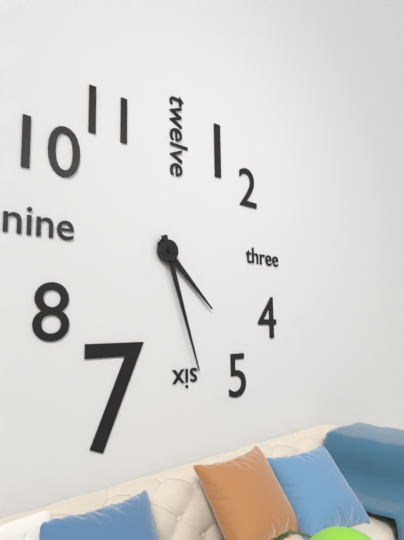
4:27
